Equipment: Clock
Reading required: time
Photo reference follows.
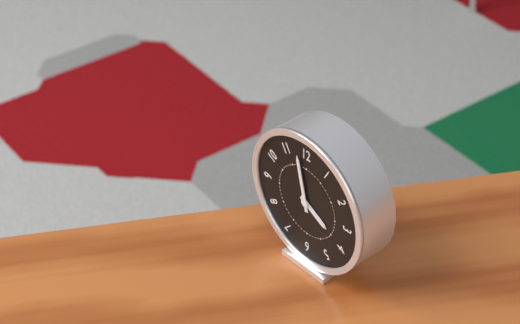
3:58
